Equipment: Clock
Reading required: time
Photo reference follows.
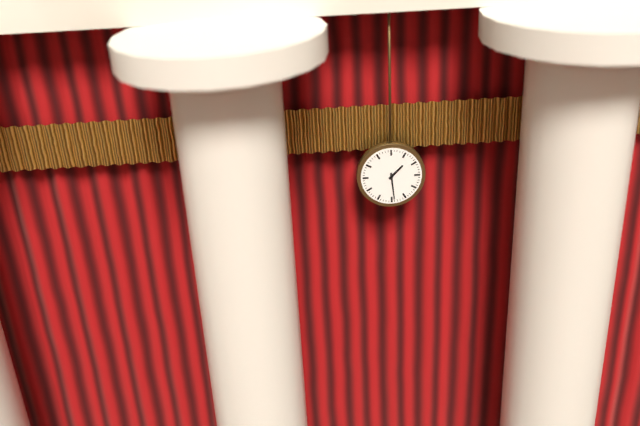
1:29
